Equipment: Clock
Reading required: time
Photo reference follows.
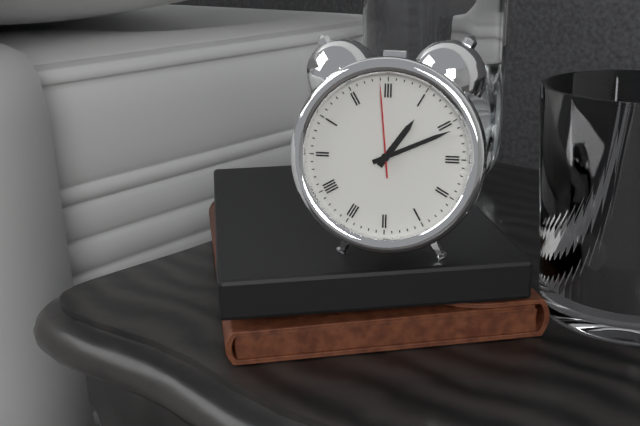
1:11:59
